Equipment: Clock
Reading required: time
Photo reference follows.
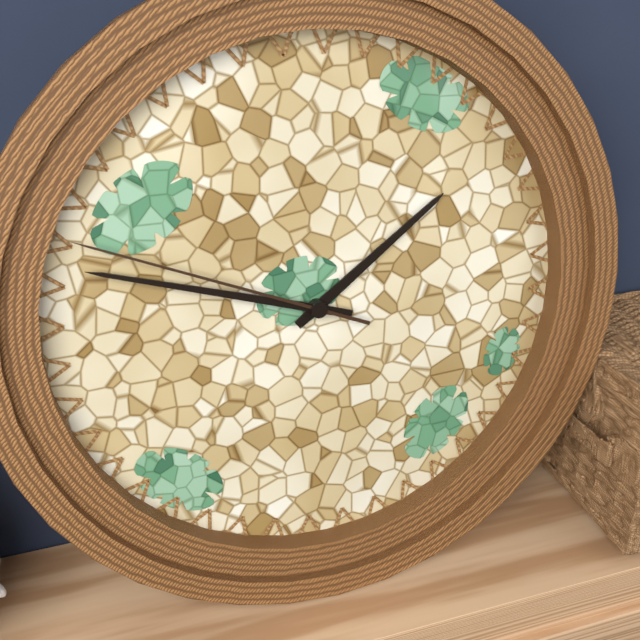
1:48:49
